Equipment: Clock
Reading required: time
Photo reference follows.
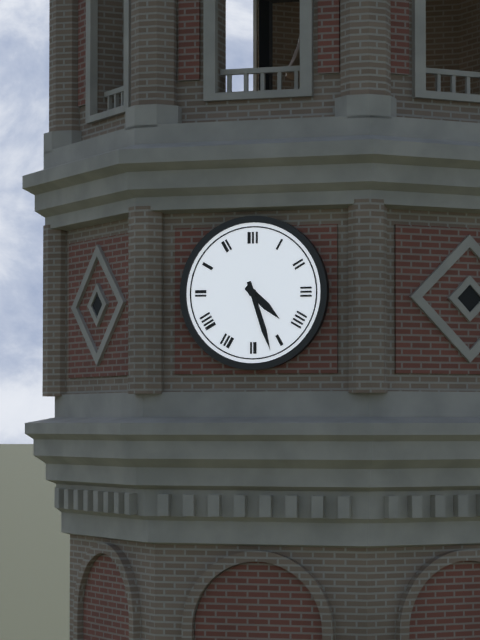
4:27
